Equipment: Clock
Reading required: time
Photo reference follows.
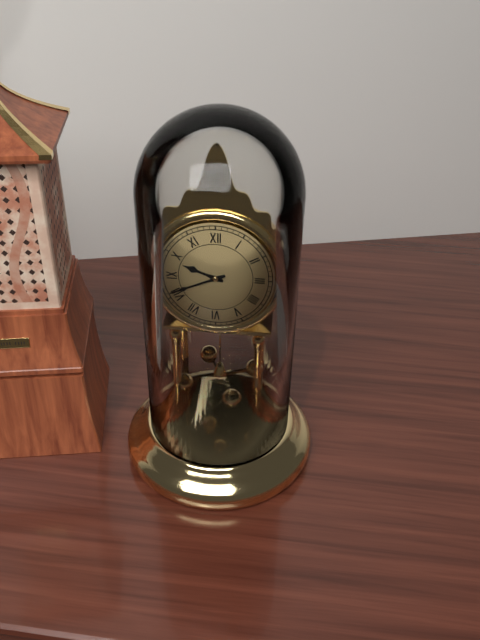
9:41
